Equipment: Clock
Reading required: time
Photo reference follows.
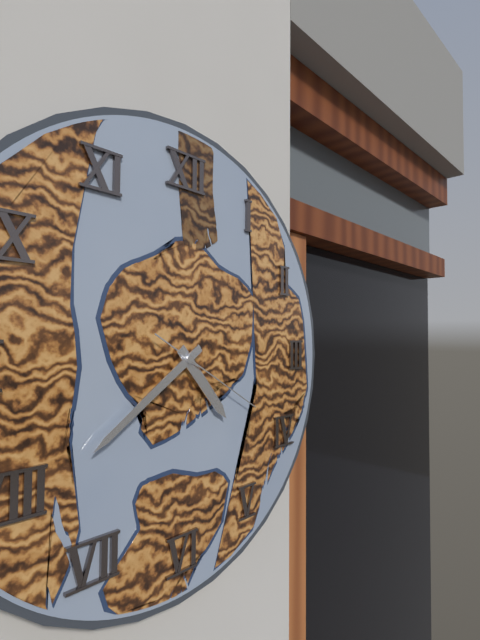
4:39:20
